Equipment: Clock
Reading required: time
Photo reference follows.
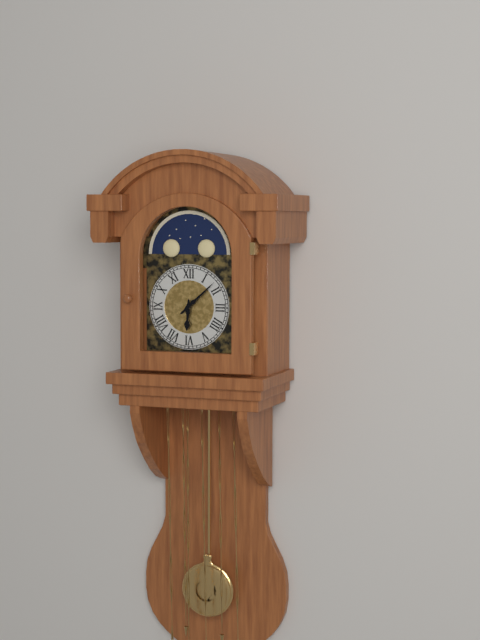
6:08
